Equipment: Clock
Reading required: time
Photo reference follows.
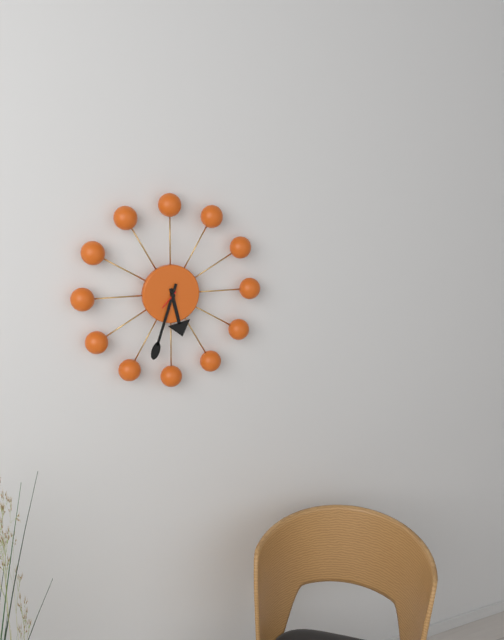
5:33
